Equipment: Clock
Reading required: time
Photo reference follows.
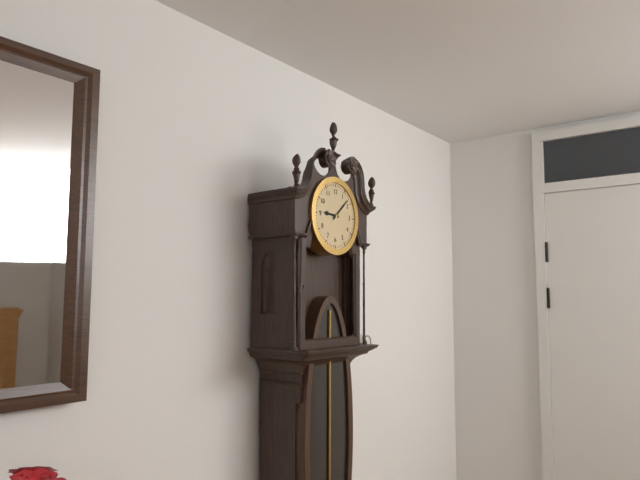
9:08
